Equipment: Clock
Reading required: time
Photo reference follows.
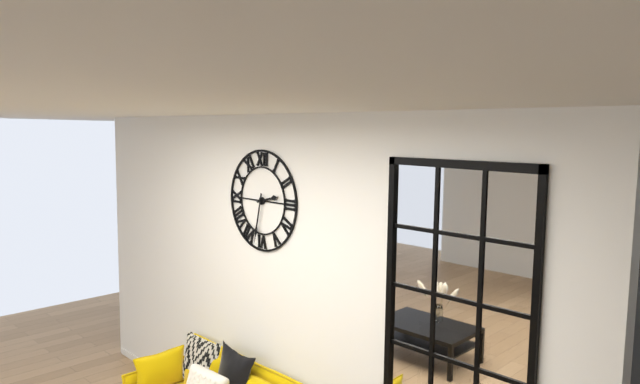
2:32
